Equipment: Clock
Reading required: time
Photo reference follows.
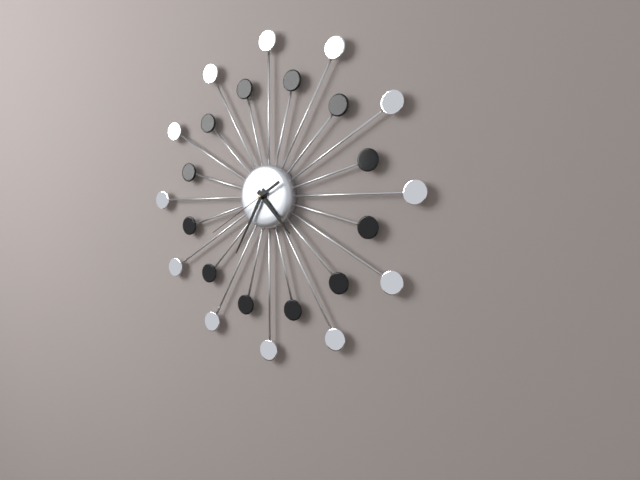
4:35:40
